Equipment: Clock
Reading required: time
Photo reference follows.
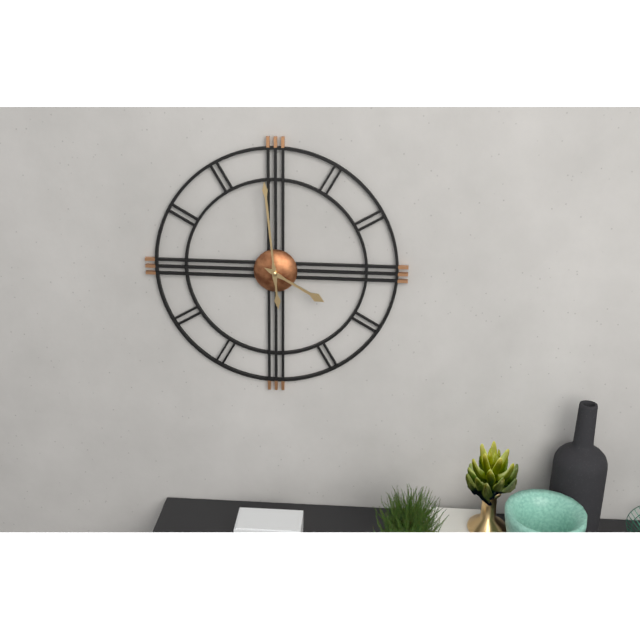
3:59
